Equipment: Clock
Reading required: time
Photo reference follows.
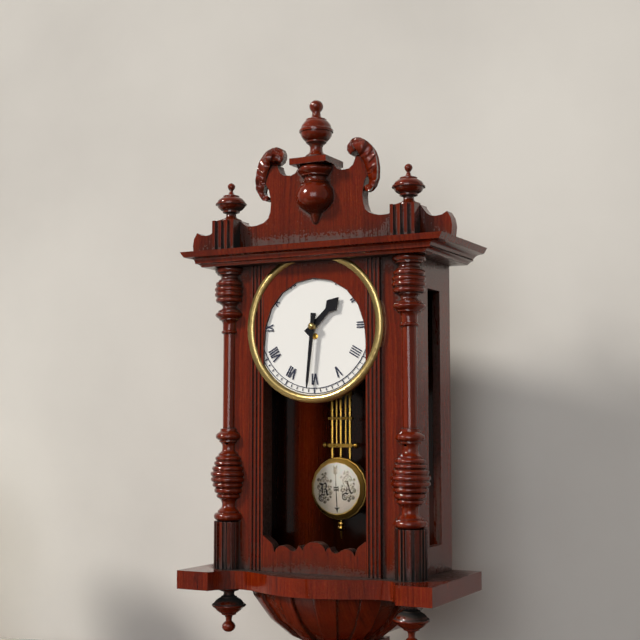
1:31
